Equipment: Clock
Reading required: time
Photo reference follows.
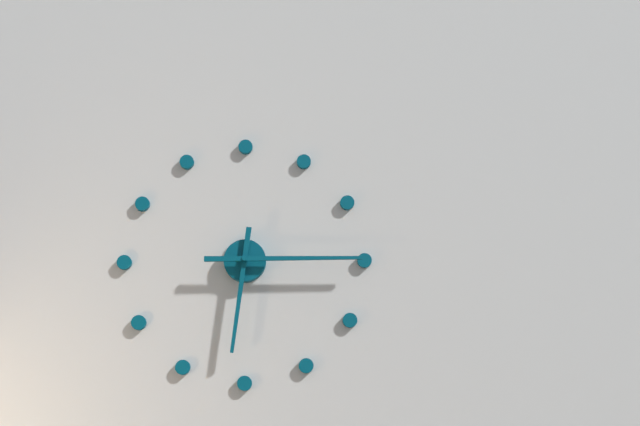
6:15
